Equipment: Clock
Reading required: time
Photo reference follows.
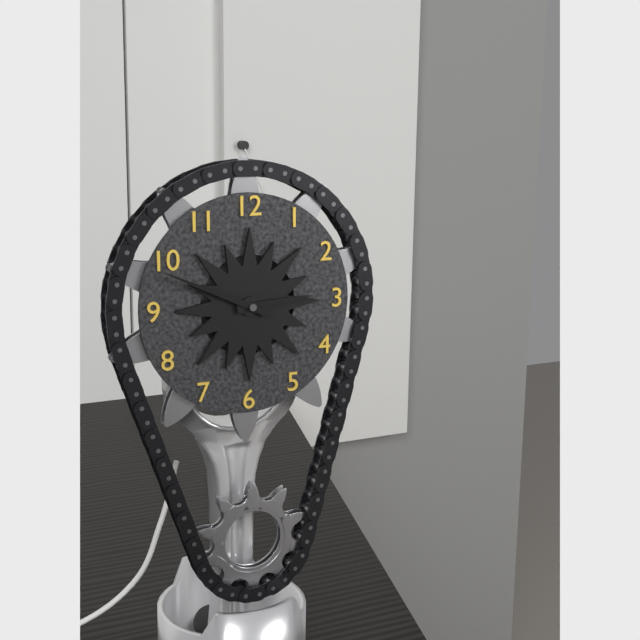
2:49
